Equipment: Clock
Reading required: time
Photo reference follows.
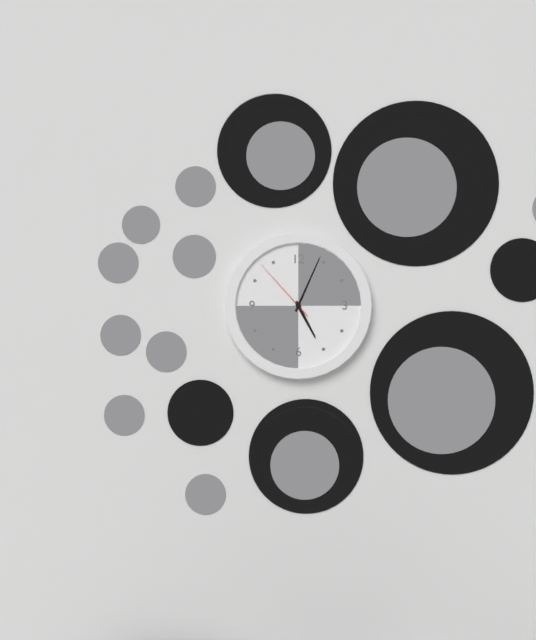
5:04:53
